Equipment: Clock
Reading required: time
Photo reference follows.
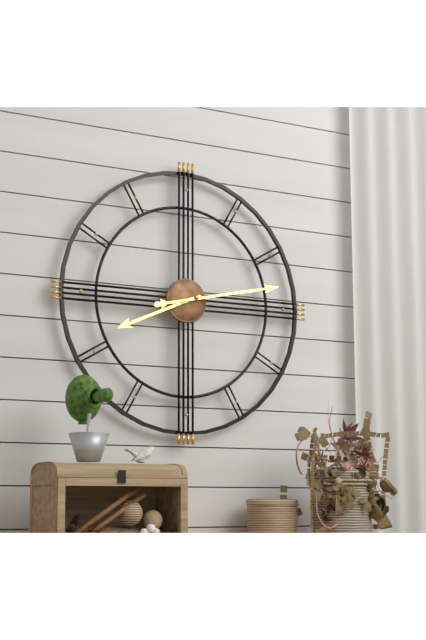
8:13
